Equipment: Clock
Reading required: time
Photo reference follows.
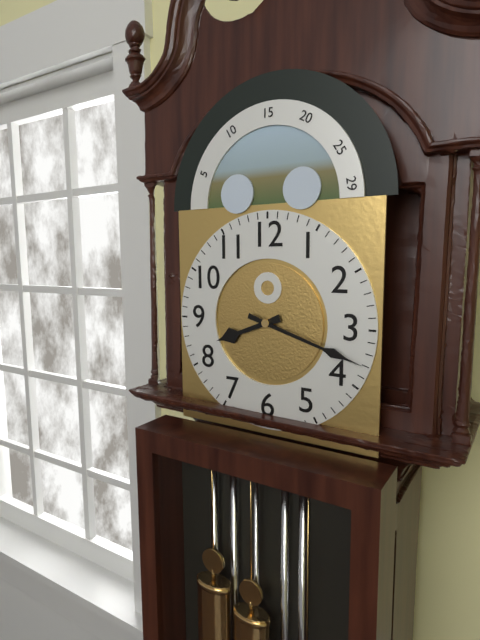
8:18
